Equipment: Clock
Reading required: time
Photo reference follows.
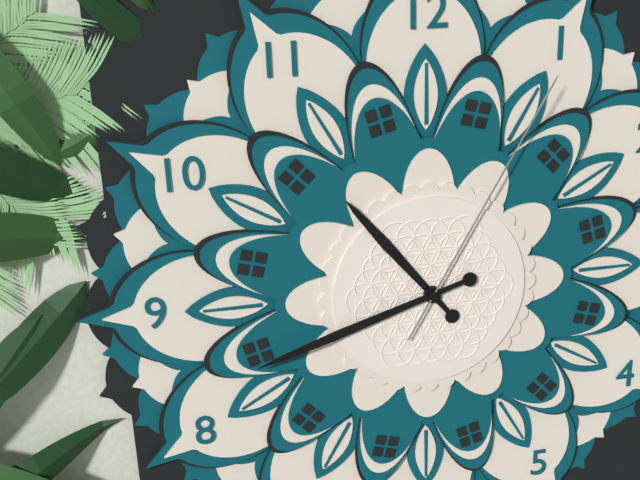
10:42:05
